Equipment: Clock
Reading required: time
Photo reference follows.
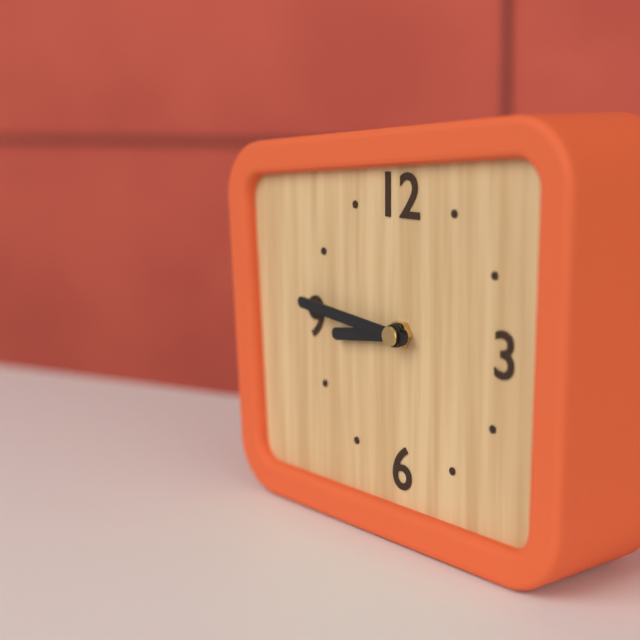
8:46
